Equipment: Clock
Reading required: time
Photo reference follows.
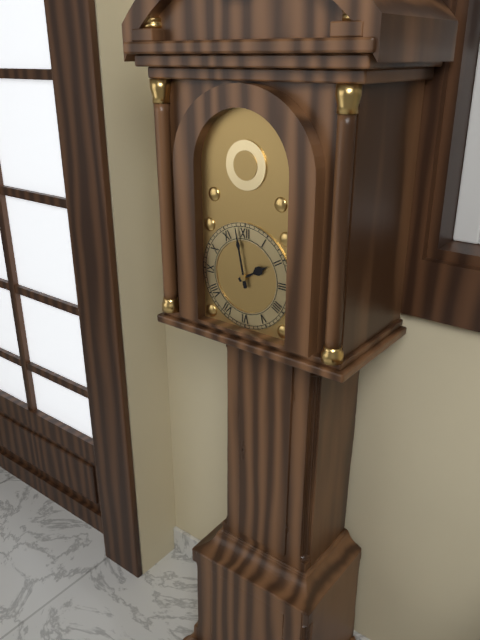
1:58
